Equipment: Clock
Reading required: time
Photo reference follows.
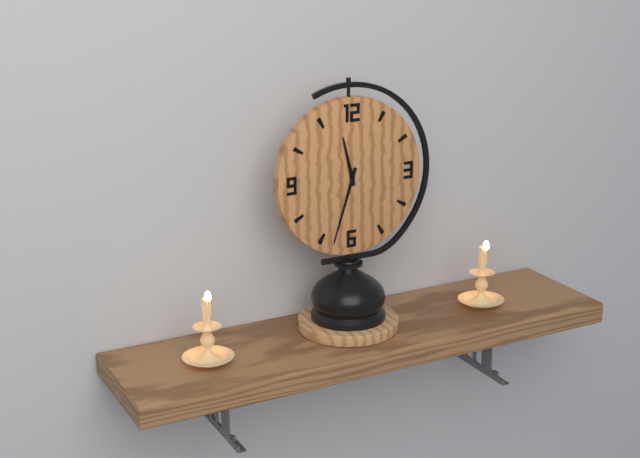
11:33
